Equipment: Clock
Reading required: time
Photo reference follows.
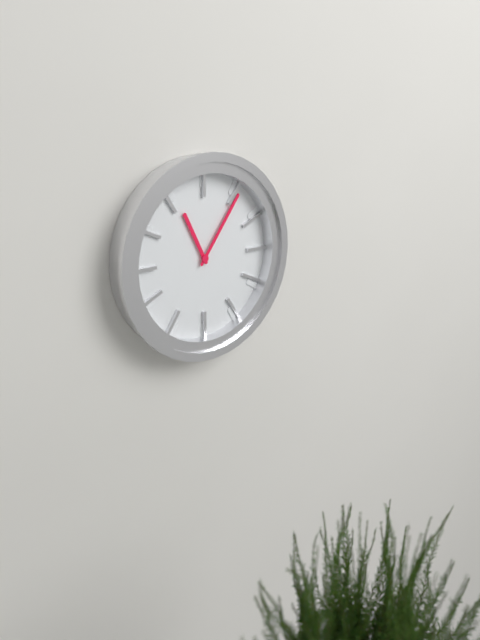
11:06
